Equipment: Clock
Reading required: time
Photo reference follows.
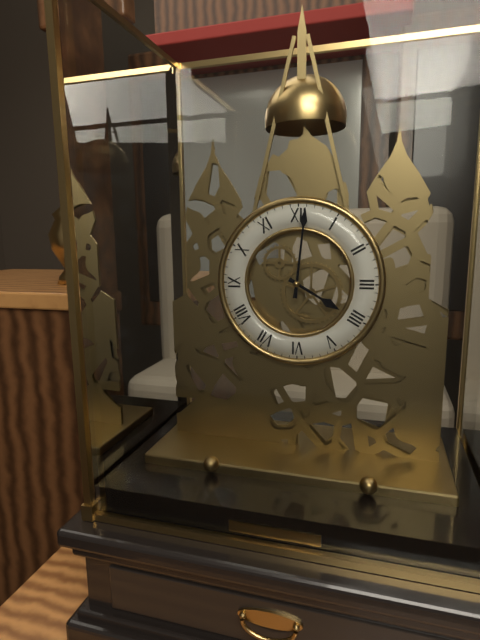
4:01
